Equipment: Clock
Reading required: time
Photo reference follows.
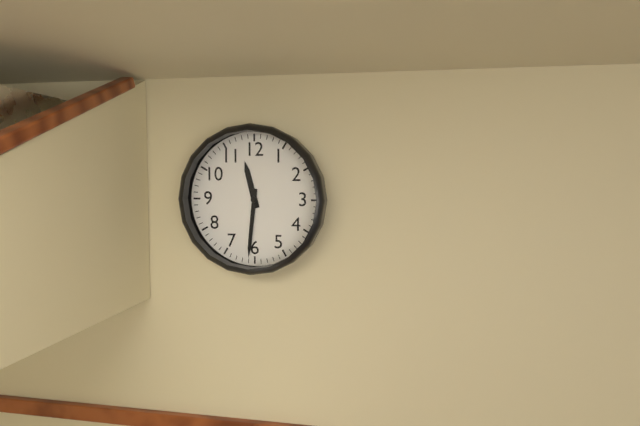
11:31
